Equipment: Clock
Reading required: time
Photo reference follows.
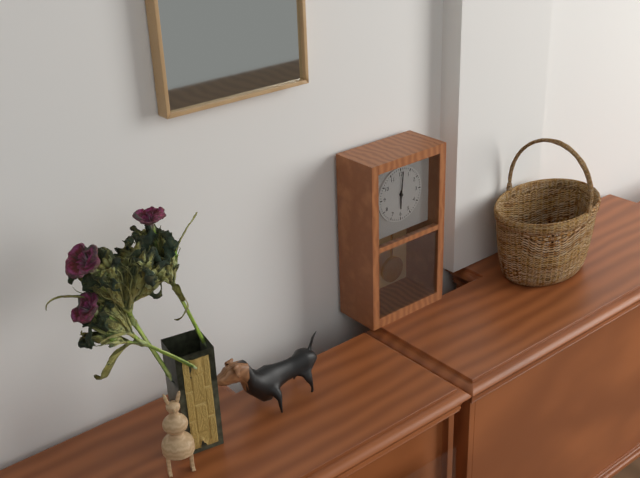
6:01
